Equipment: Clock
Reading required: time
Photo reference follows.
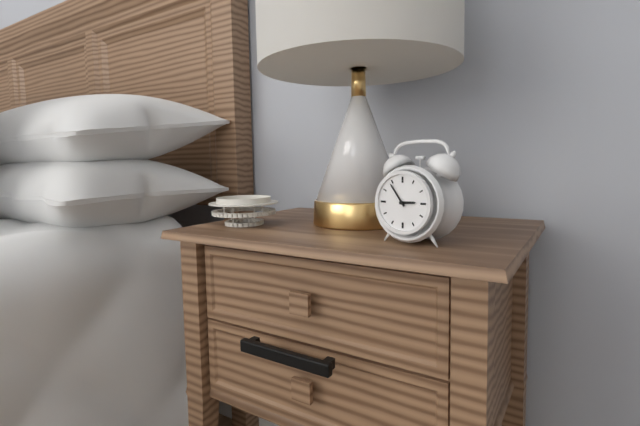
2:54
